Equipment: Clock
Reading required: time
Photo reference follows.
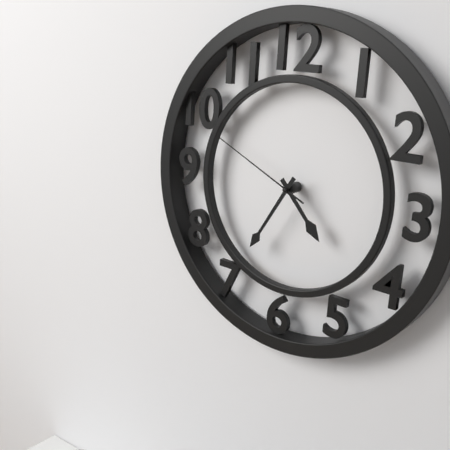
4:35:49
